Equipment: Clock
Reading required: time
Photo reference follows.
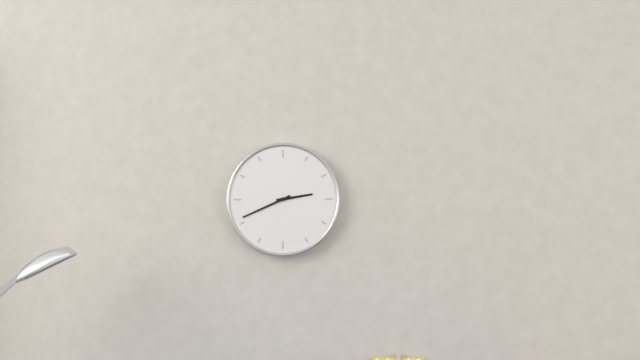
2:41
